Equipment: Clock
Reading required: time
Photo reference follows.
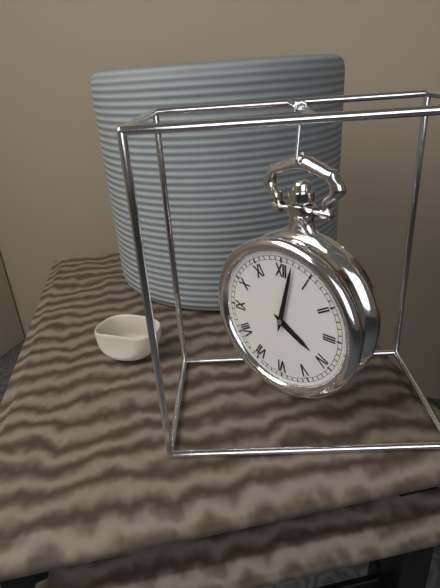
4:02
